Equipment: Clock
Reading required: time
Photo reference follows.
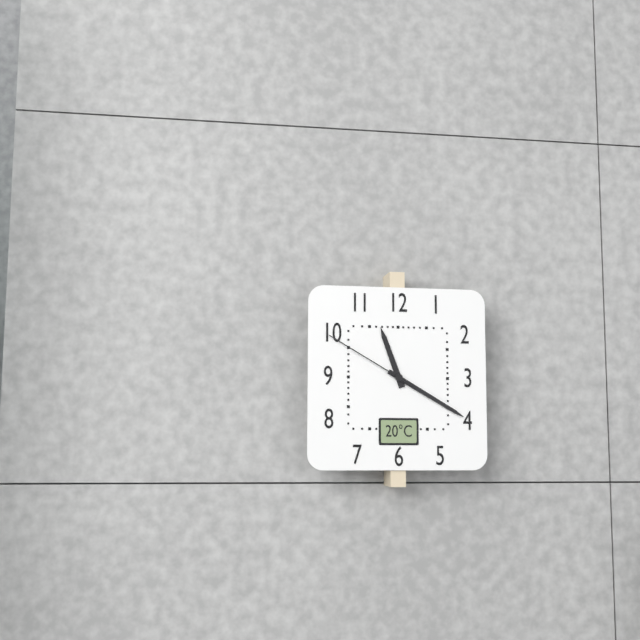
11:20:50
